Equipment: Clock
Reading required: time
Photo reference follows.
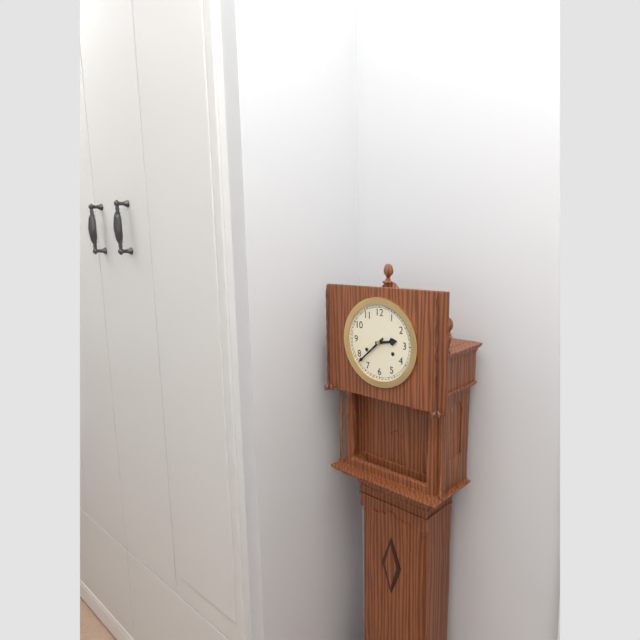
2:38
